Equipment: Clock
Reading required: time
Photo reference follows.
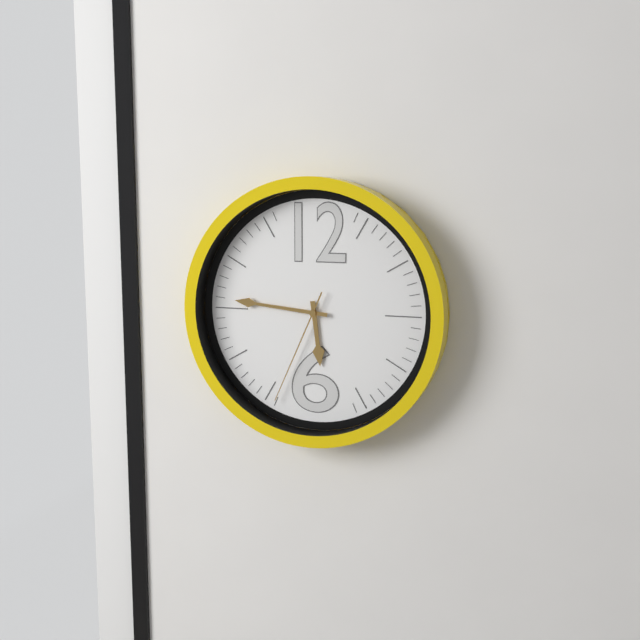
5:46:34
